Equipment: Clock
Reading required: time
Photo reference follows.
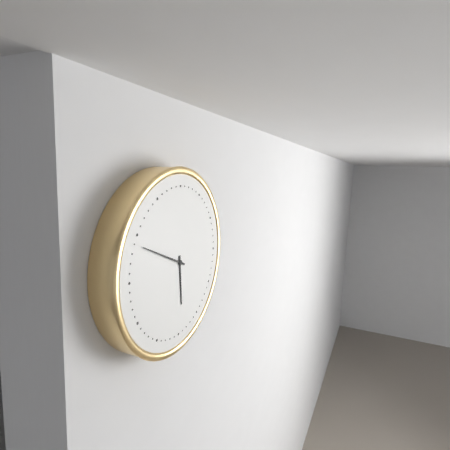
5:49
